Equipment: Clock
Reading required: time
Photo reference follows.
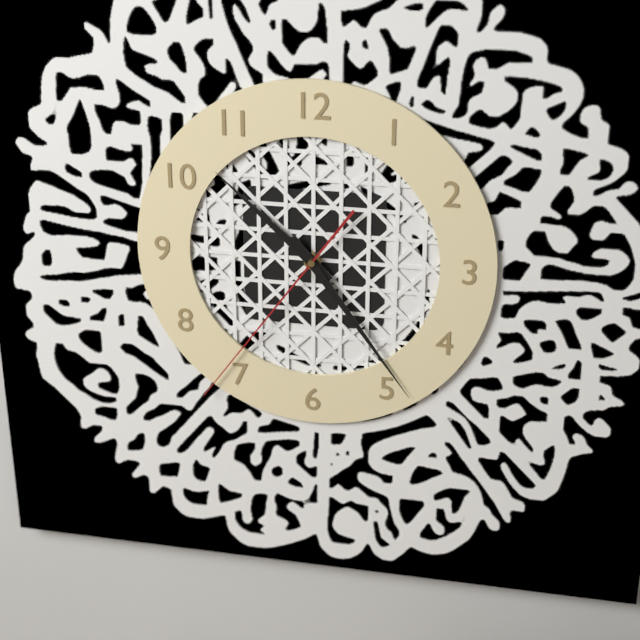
10:24:36
